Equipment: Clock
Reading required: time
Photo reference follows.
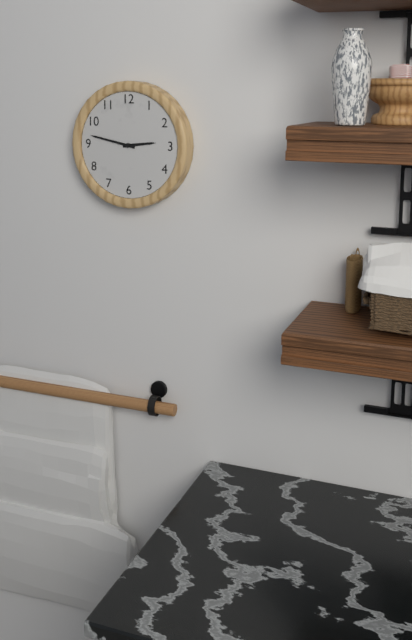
2:47
